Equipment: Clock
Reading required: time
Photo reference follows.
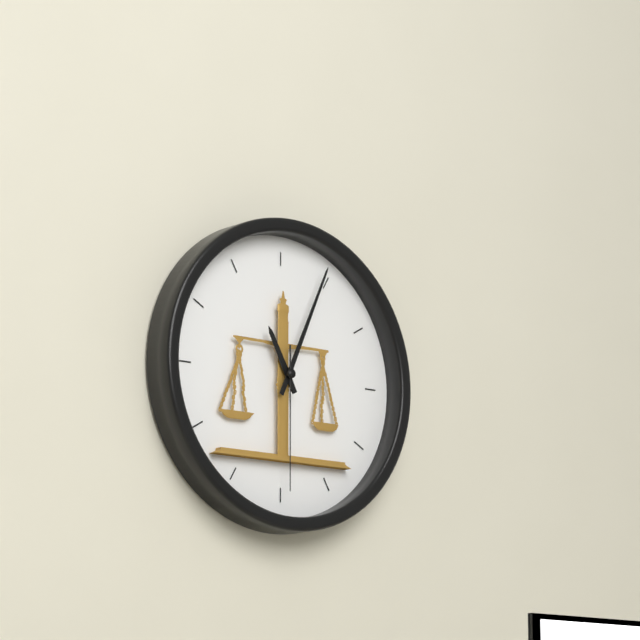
11:04:30
